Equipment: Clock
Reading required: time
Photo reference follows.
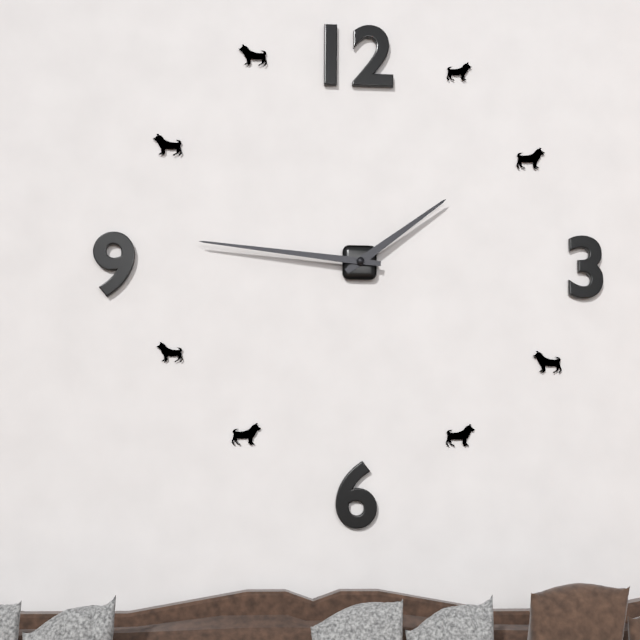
1:46
